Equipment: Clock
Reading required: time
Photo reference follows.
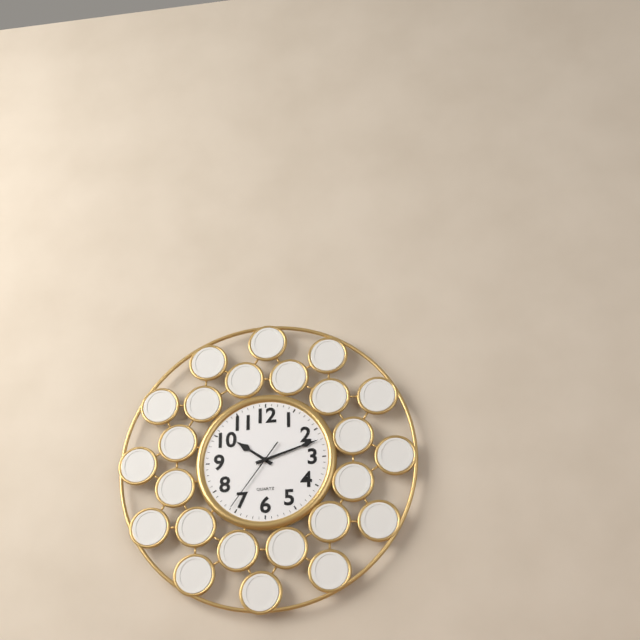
10:12:36
